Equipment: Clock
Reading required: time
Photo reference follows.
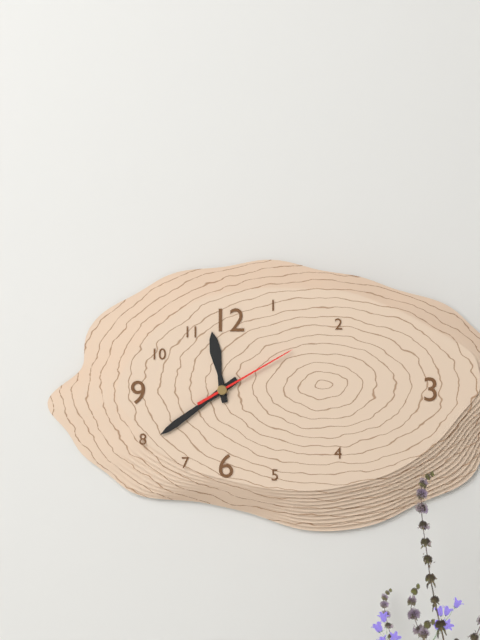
11:39:10
